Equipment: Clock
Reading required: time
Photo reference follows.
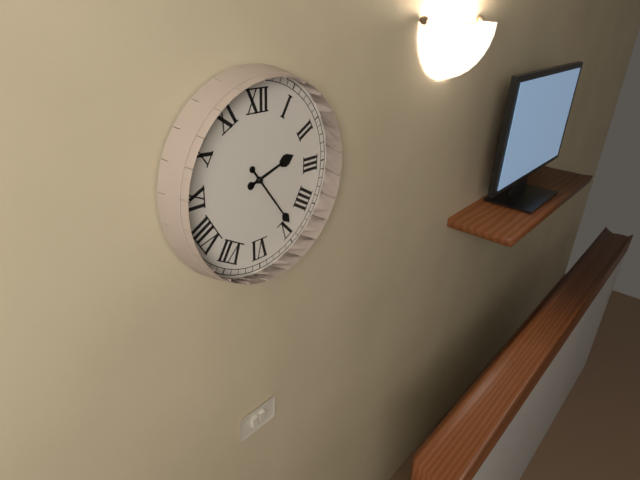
2:24
